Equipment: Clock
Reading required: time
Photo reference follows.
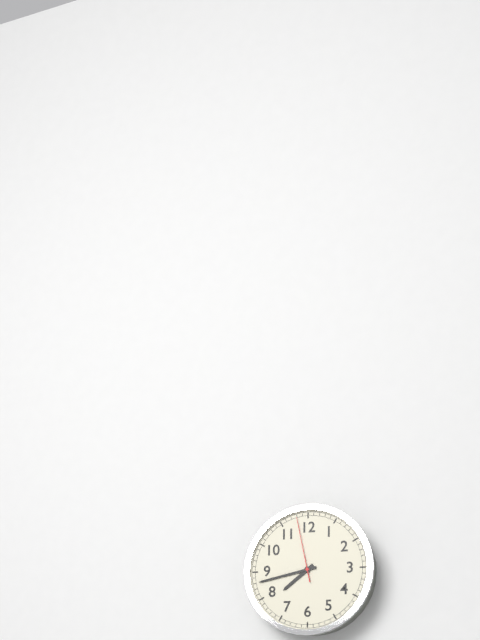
7:43:58
